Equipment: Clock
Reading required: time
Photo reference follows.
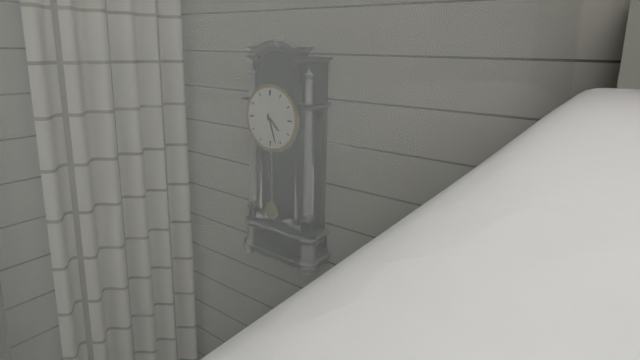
4:27
